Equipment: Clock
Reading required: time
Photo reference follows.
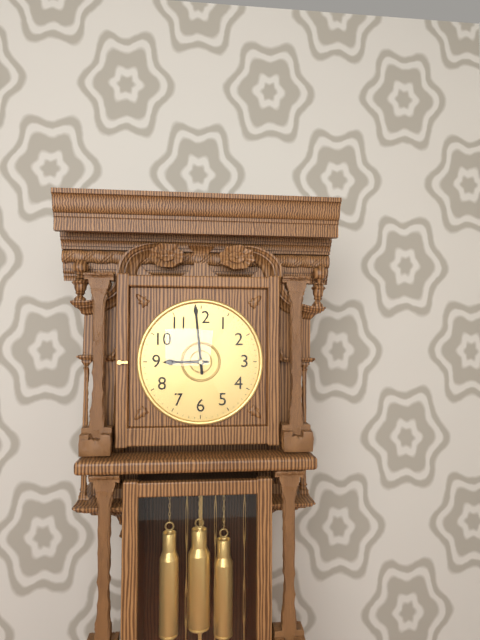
8:59:36
